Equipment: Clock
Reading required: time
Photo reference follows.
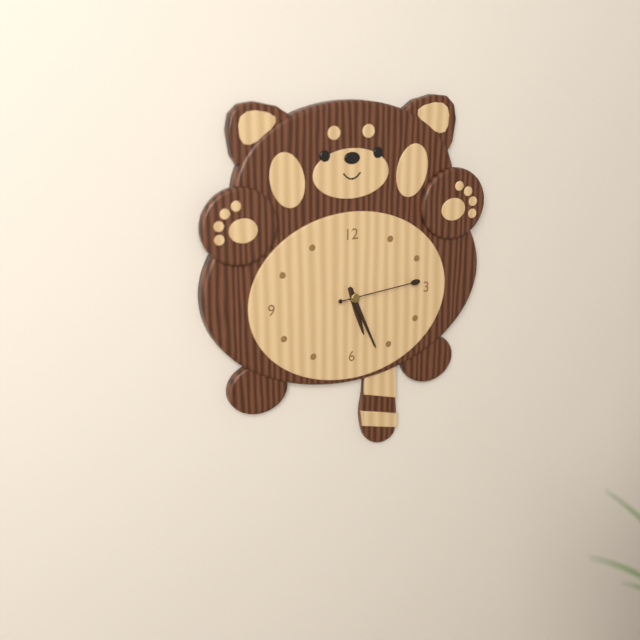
5:26:14
